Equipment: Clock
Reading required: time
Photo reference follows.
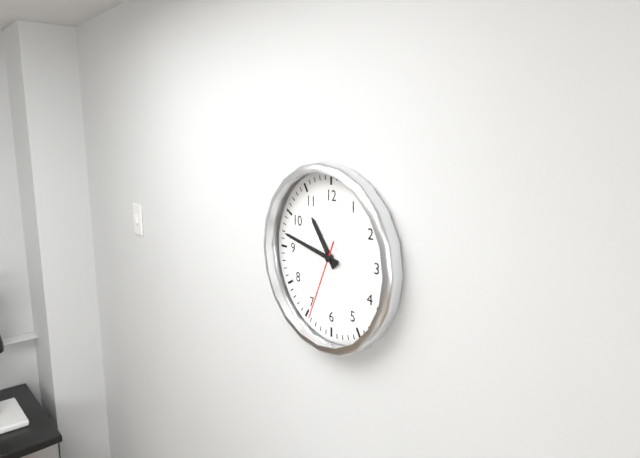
10:47:34
